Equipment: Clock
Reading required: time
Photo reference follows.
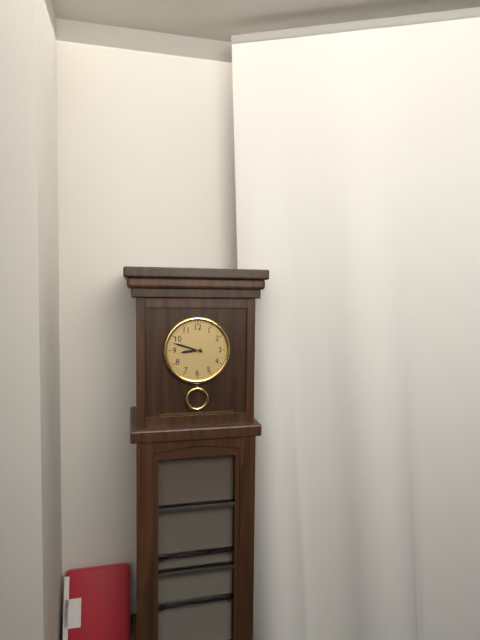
8:48
